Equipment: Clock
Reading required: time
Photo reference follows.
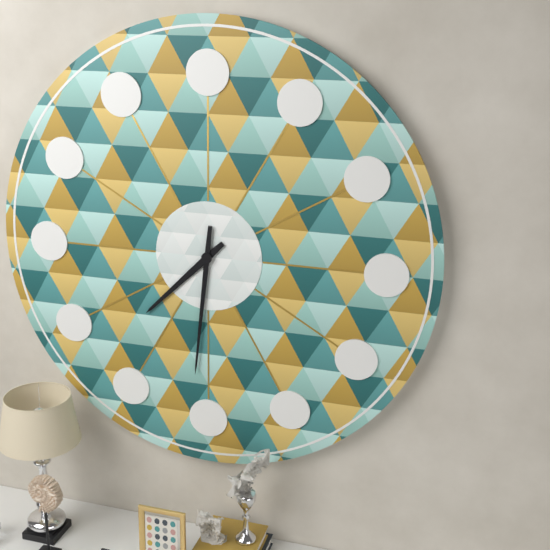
7:31
